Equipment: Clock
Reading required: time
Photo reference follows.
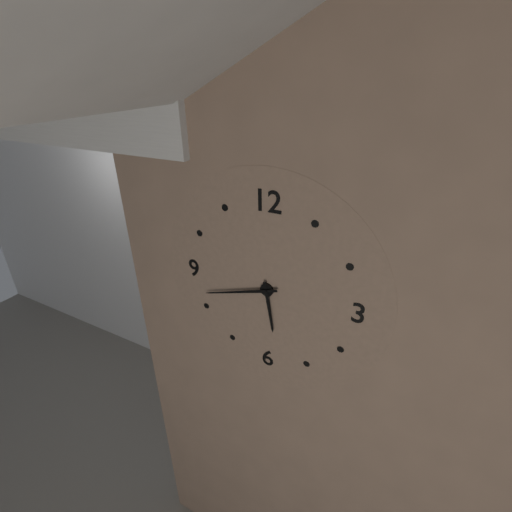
5:42
